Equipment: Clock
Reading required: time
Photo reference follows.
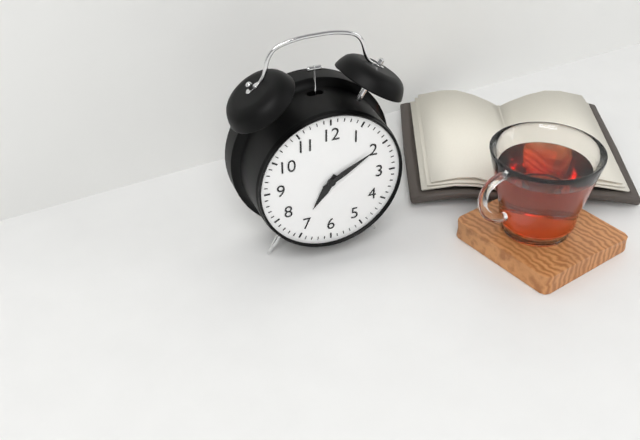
7:10
